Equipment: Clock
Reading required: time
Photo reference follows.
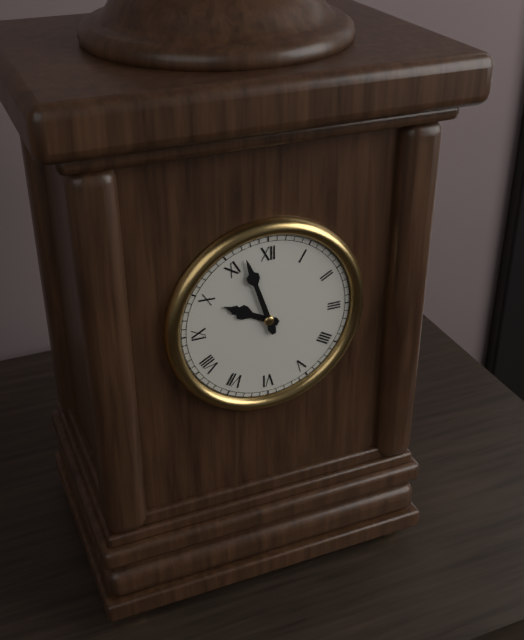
9:57
